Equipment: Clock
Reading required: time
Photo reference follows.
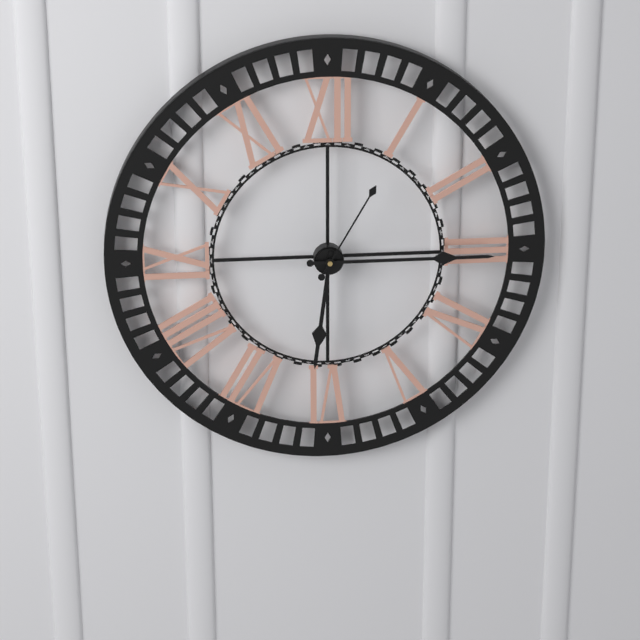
6:15:05
